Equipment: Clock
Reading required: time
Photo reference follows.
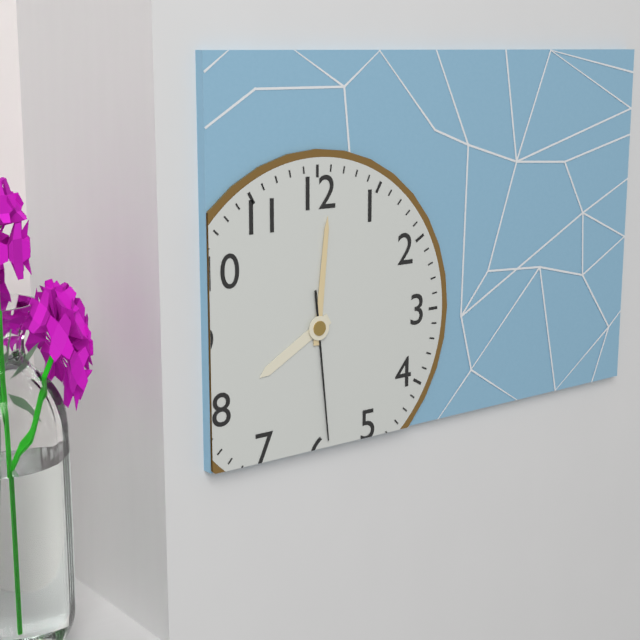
8:01:29
